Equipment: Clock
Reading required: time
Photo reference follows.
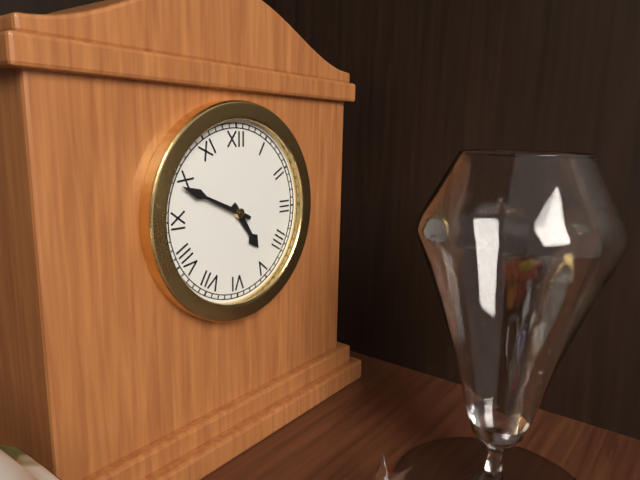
4:49
